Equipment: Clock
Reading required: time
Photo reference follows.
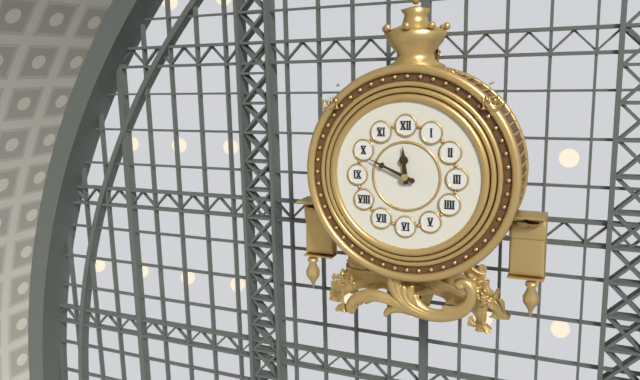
11:49
